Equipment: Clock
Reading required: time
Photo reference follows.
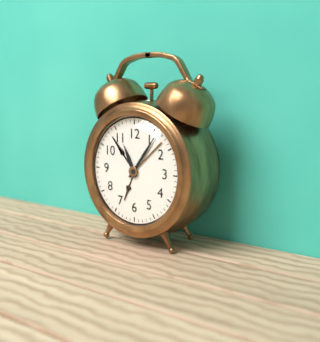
11:06
